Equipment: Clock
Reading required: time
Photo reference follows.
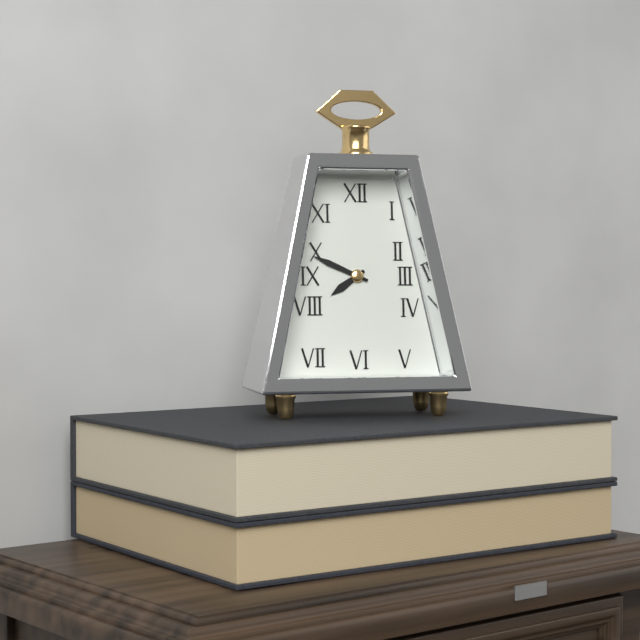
7:49
